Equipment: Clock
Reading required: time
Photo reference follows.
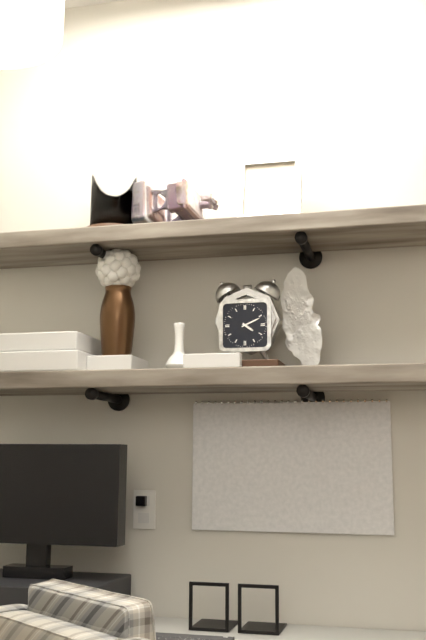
4:11
